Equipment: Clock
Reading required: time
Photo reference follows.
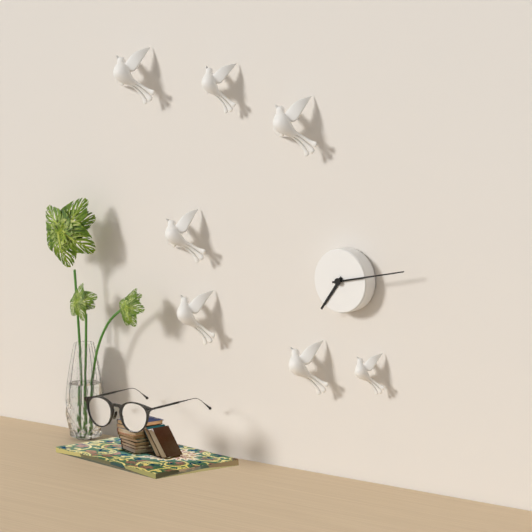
7:13
